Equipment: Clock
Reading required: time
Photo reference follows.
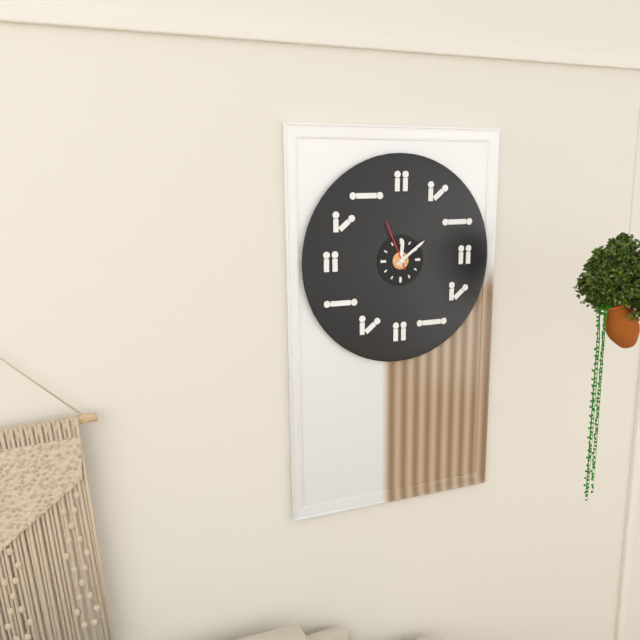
12:09:56
